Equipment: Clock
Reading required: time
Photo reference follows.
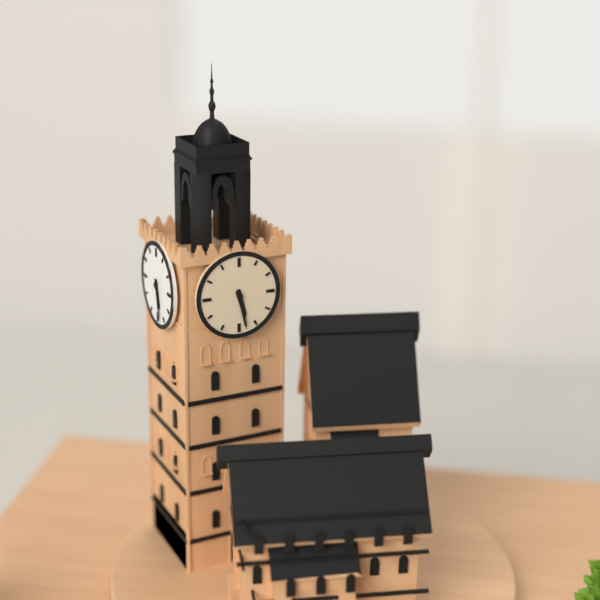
5:28
